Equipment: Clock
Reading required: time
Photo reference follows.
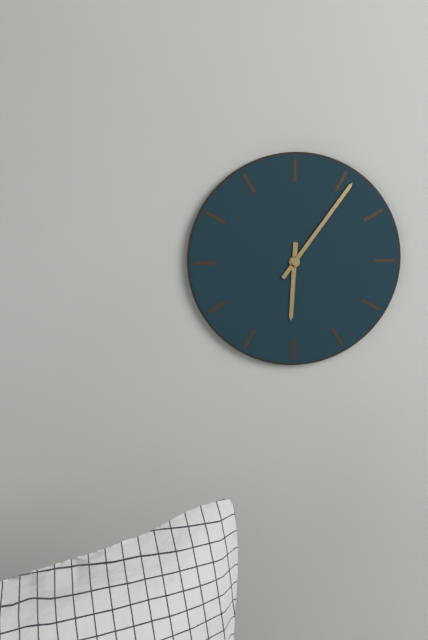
6:06
